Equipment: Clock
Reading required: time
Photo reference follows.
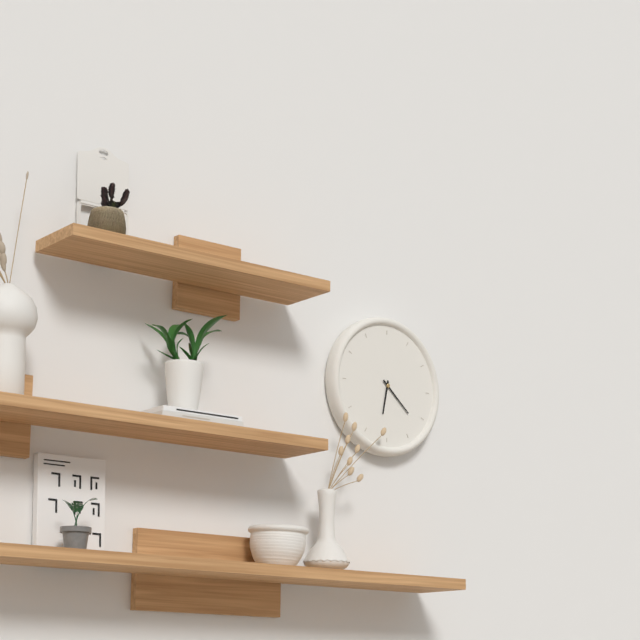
6:22
